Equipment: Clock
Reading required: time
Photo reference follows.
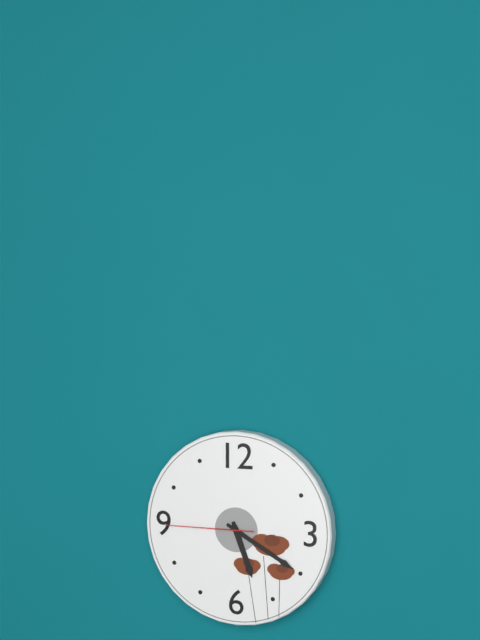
5:20:45
